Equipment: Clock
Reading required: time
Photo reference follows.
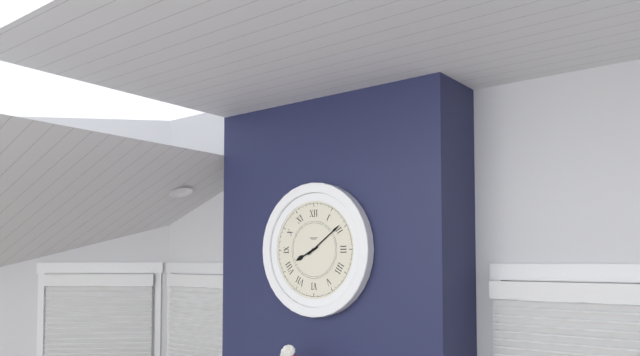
8:09
